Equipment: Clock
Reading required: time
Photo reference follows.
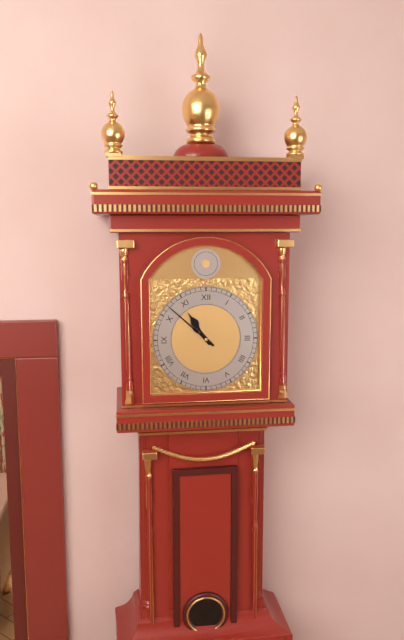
10:52
